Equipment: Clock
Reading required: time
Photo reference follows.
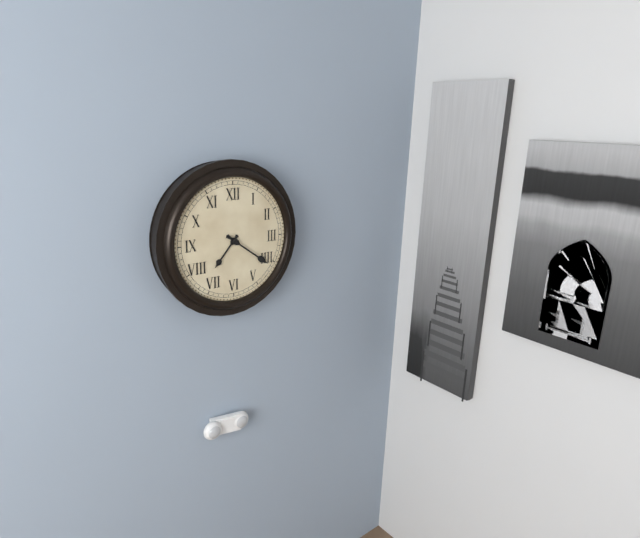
7:21
